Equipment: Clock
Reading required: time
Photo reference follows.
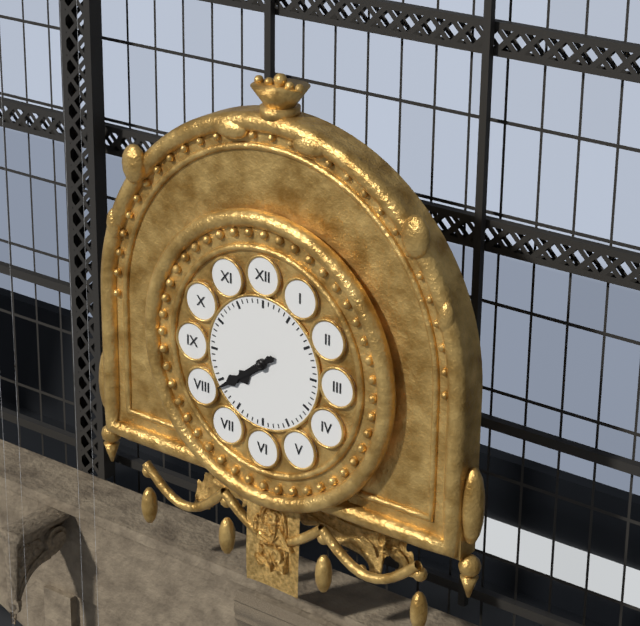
7:39
